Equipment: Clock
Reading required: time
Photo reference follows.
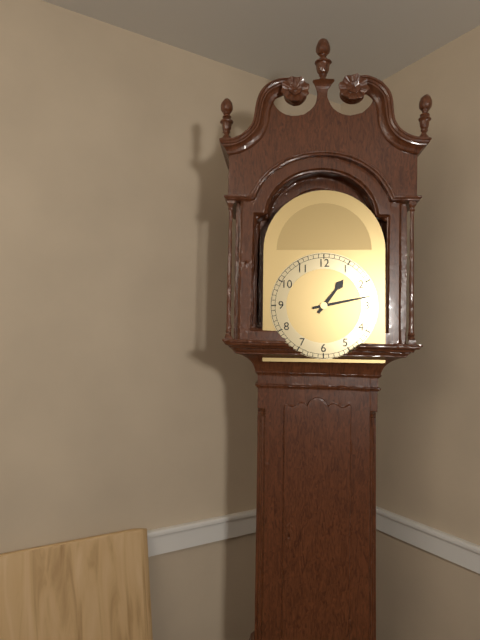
1:13
